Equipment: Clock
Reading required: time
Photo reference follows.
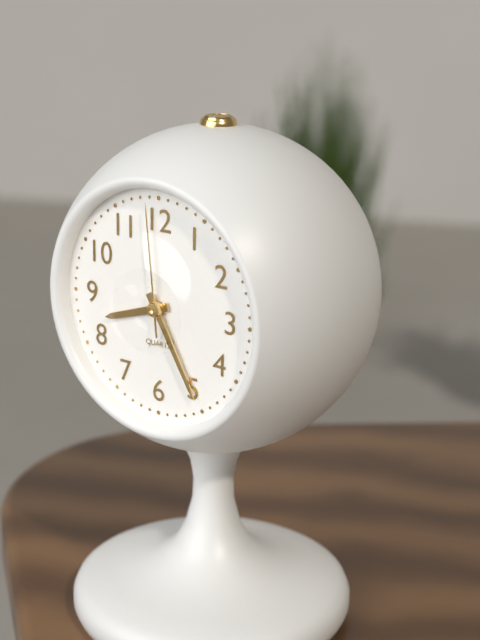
8:25:59
